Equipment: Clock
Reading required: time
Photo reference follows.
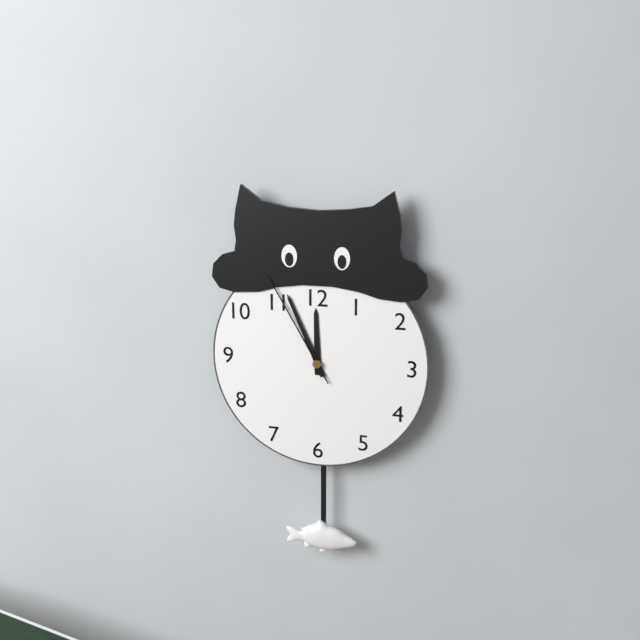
11:56:55
